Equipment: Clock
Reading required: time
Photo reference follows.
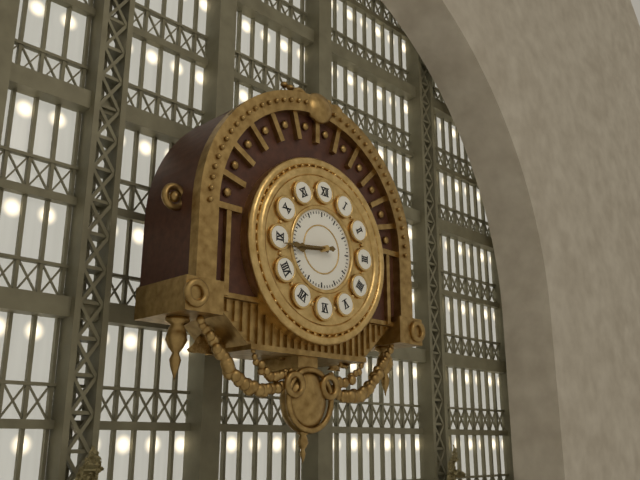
8:44
